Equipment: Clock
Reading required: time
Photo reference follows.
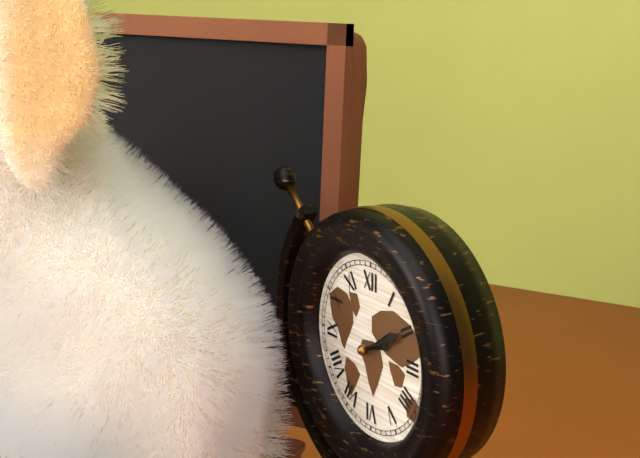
2:10
